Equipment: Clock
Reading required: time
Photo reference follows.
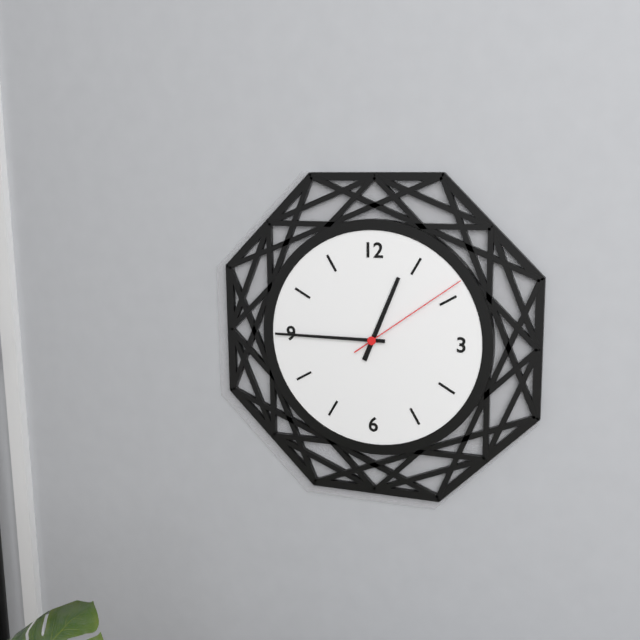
12:45:09
